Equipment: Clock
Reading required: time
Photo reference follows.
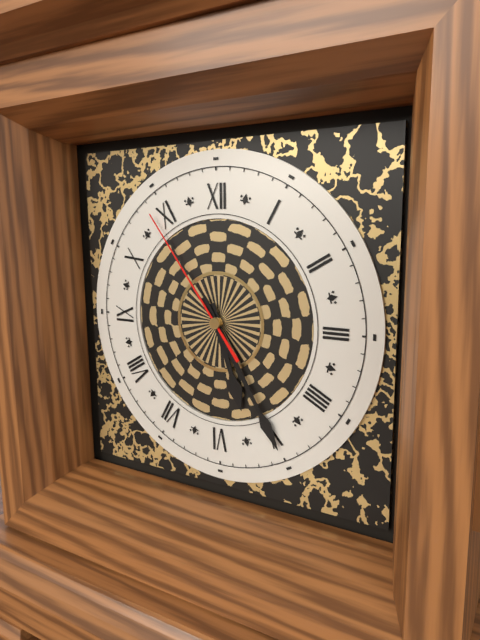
5:25:54
